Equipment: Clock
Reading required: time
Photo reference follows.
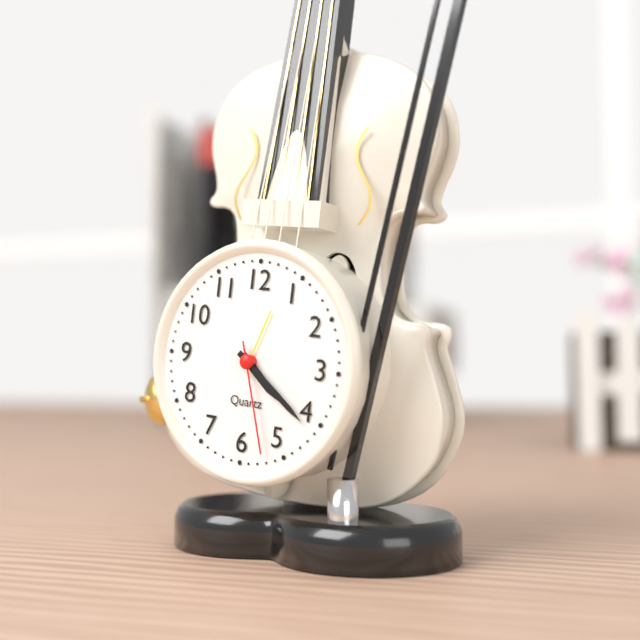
4:21:27
